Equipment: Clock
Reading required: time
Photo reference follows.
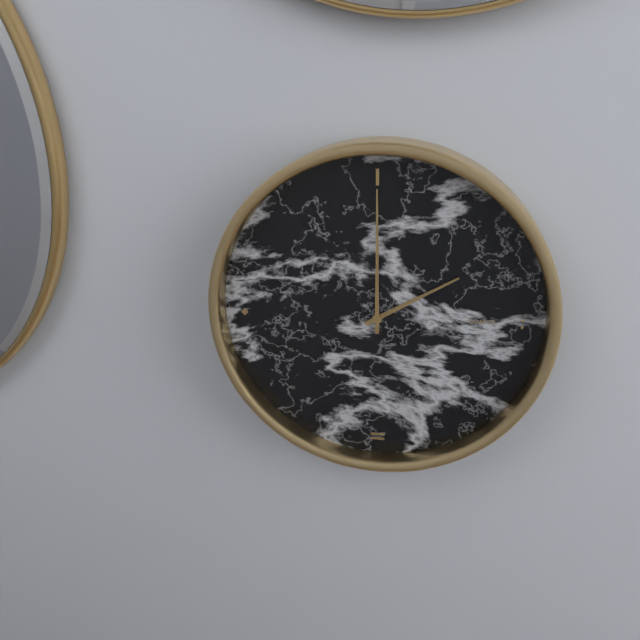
2:00
